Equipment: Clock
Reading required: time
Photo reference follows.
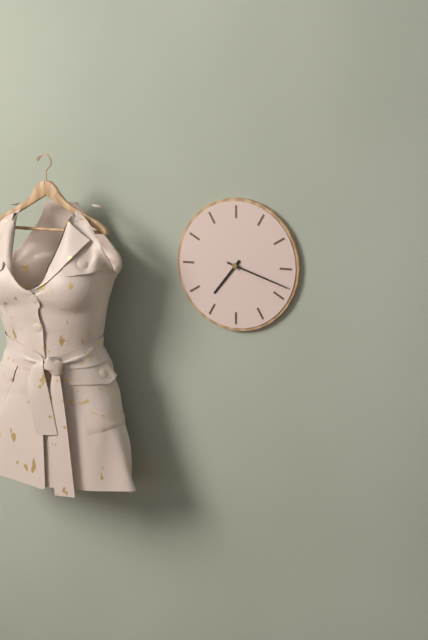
7:18
